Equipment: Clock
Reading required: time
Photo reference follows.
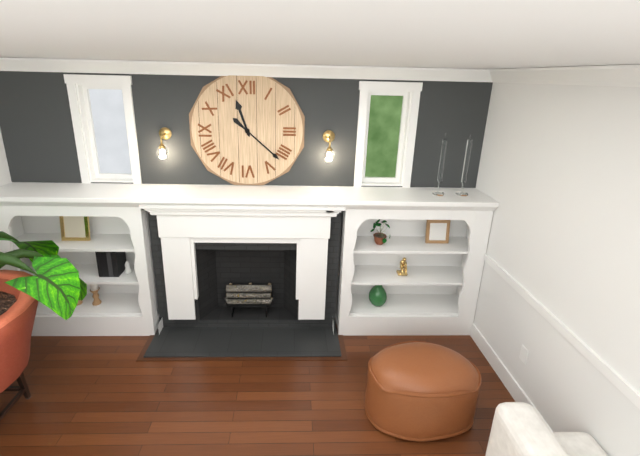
11:22
